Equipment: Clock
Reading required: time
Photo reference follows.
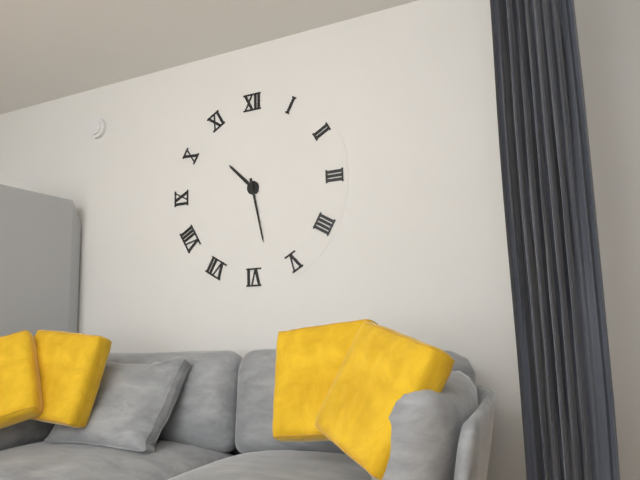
10:28
